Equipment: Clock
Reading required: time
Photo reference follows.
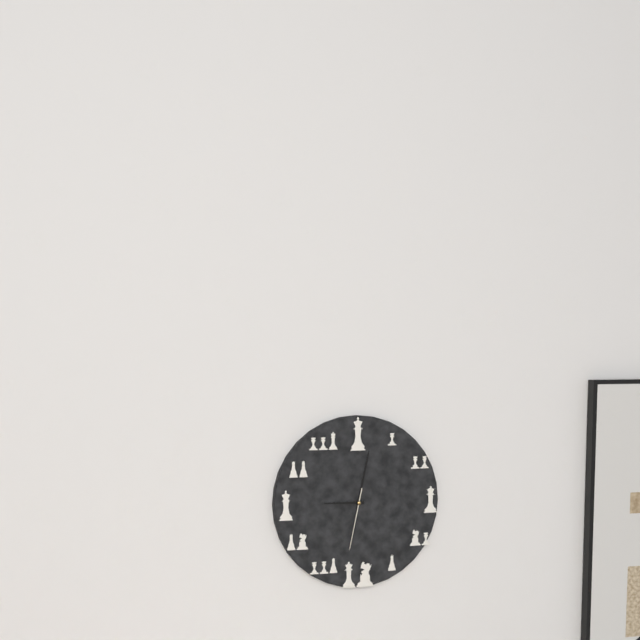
9:02:32
